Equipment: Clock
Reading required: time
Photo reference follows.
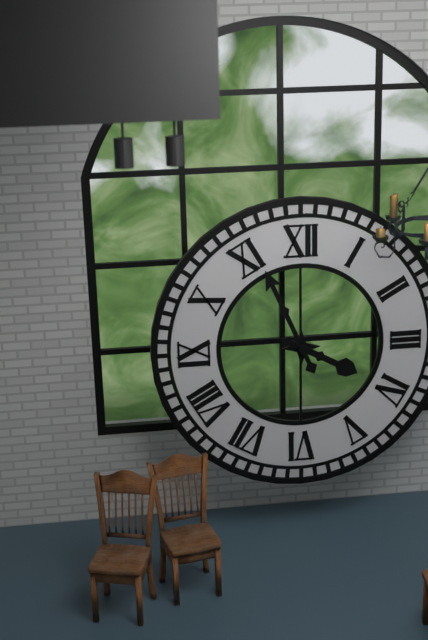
3:56
